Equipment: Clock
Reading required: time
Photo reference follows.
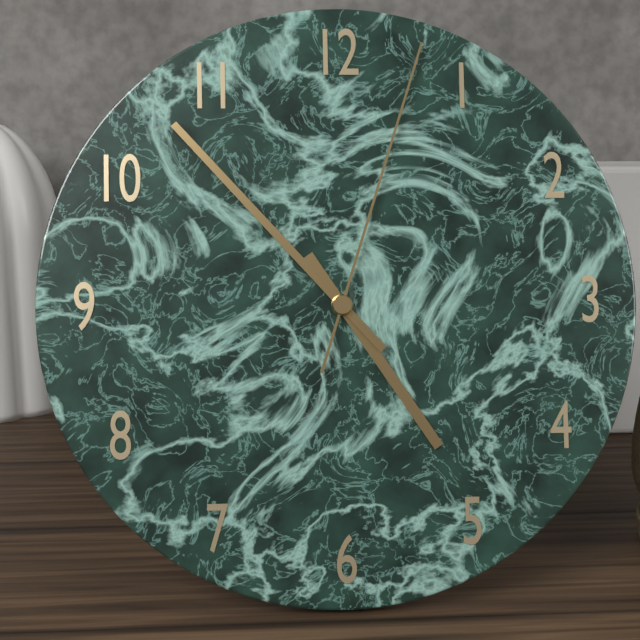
4:53:03
